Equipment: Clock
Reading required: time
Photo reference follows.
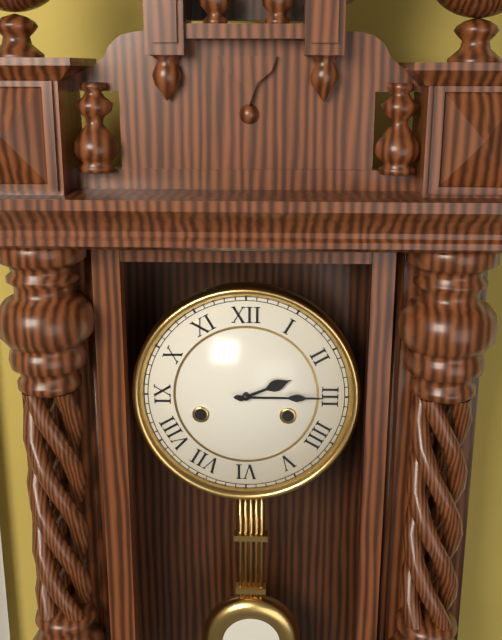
2:15
